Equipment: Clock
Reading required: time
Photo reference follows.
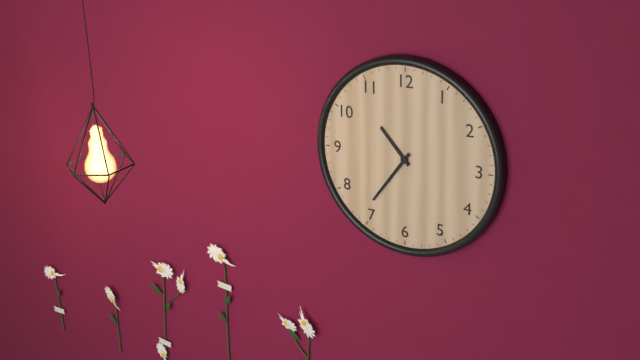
10:36
